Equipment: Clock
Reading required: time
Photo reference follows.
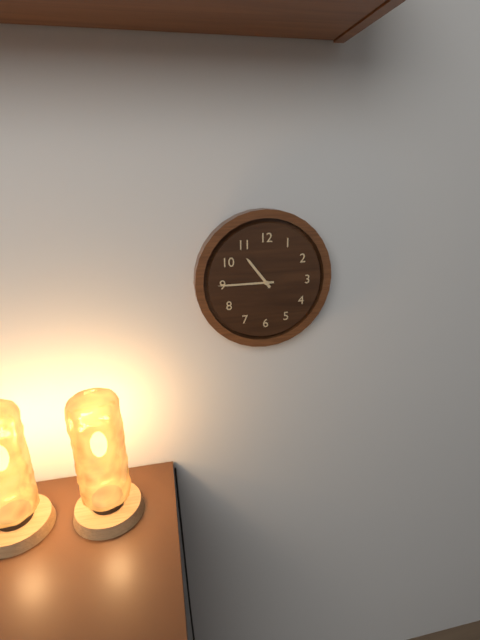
10:45
